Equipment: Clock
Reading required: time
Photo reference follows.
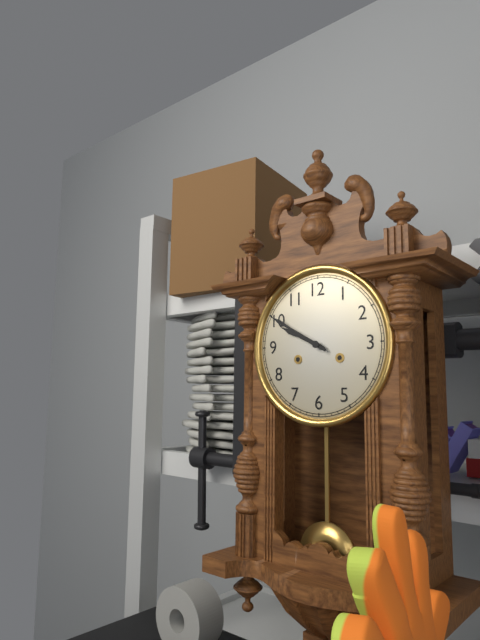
9:50
